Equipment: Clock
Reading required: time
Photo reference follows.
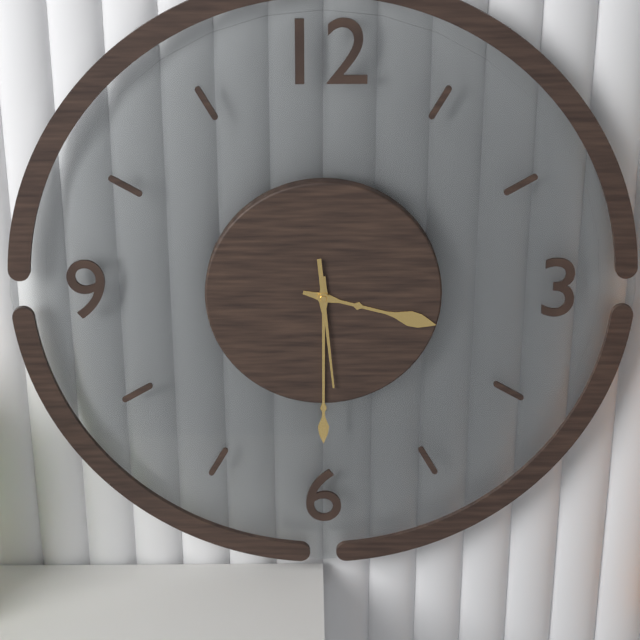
3:30:29
